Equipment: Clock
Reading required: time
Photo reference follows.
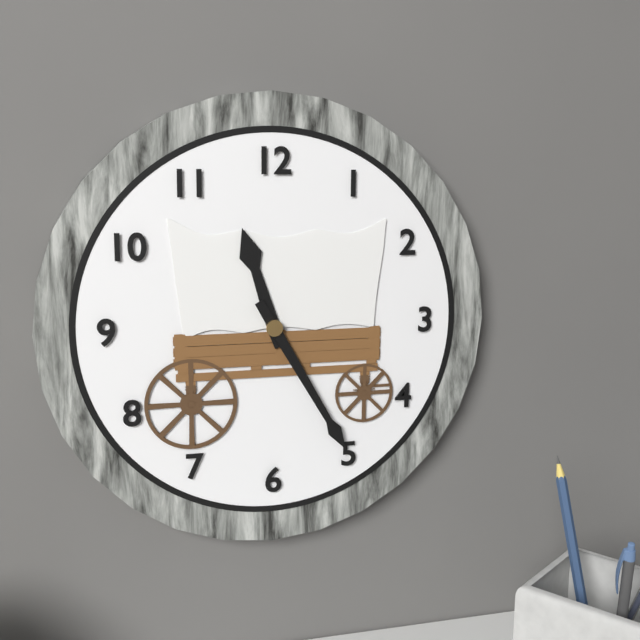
11:25
